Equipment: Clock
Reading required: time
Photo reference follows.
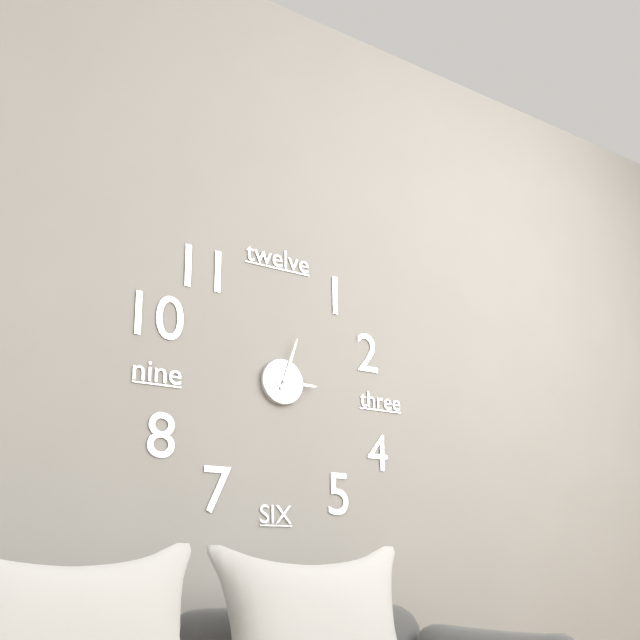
3:03
